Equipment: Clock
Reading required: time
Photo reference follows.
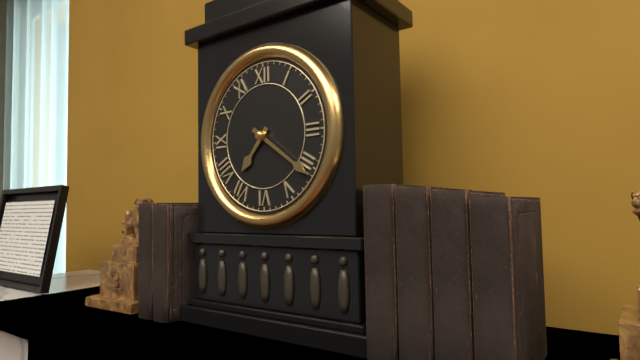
7:21
